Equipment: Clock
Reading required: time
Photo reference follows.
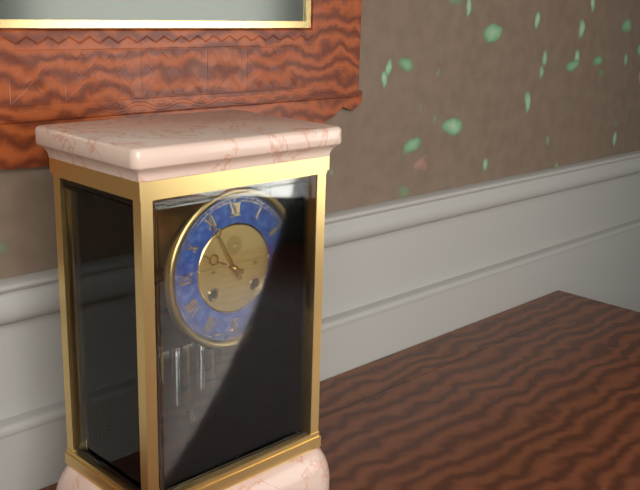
9:55
